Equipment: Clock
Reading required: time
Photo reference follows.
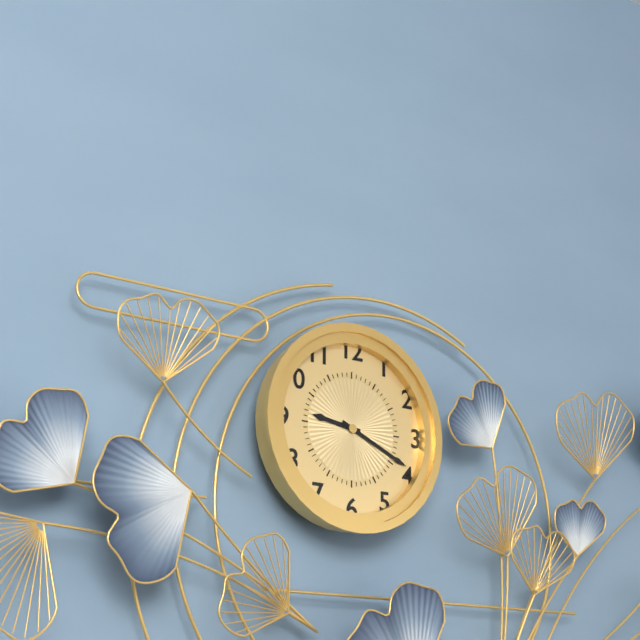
9:19
